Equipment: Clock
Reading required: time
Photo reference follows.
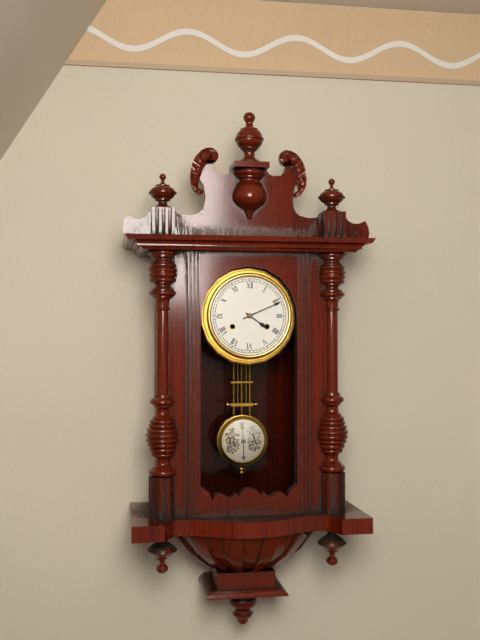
4:11
